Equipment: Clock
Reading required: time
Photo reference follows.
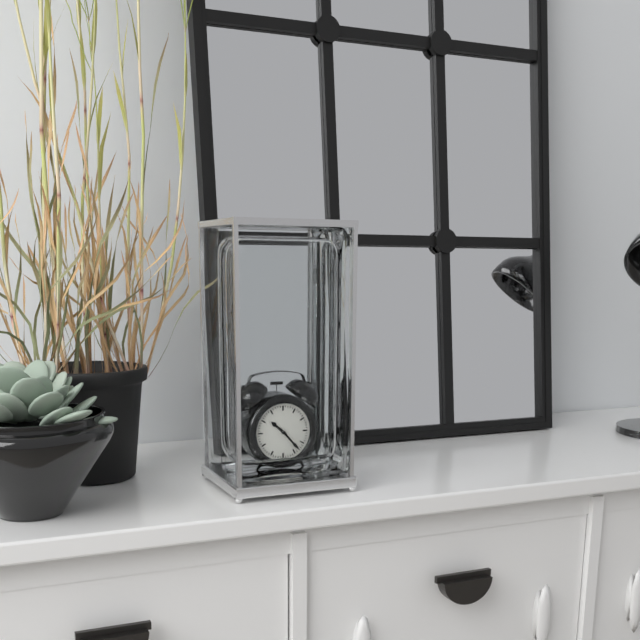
10:23
